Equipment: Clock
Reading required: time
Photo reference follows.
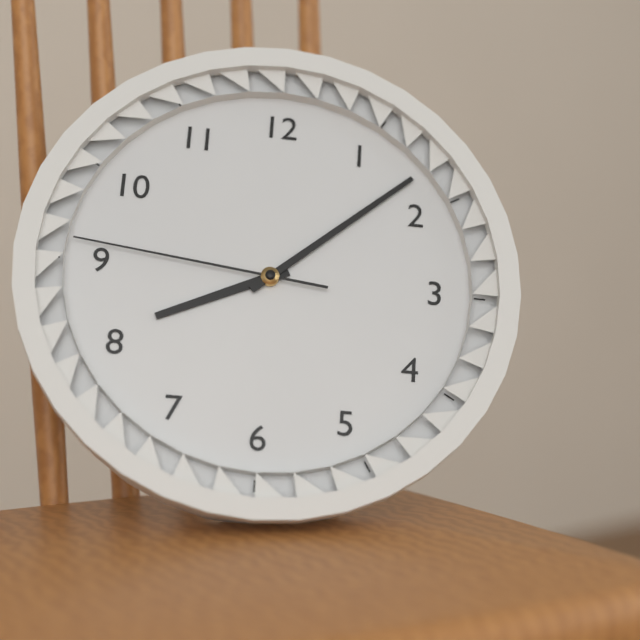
8:08:46
